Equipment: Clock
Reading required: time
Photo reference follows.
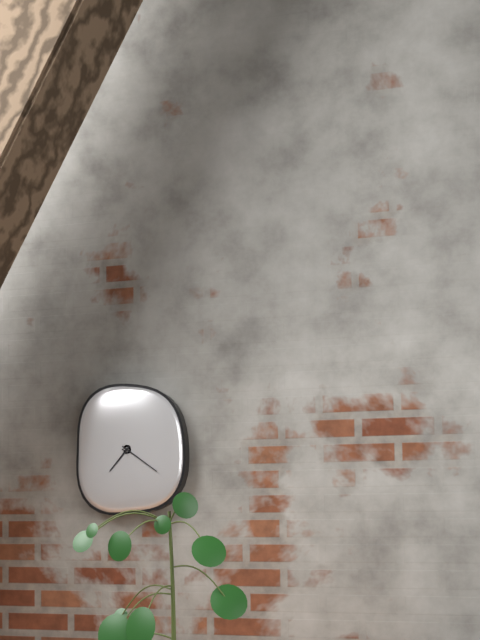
7:21
